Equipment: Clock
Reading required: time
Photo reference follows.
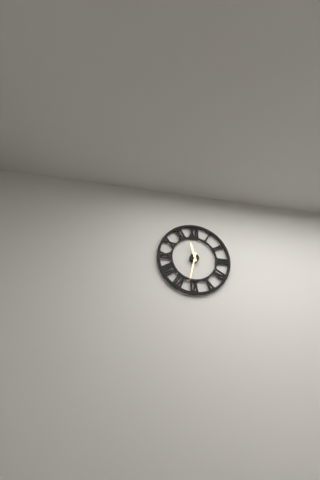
11:32
